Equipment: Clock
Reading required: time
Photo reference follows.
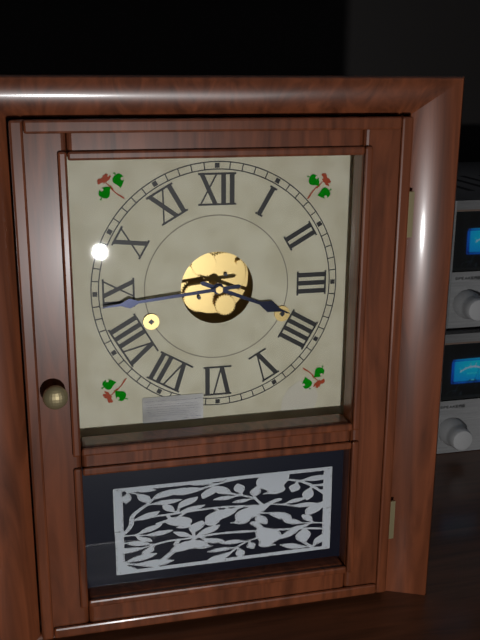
3:44
